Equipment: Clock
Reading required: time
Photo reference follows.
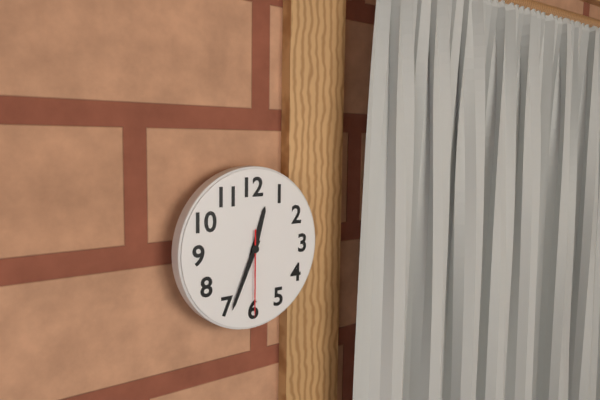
12:34:30
